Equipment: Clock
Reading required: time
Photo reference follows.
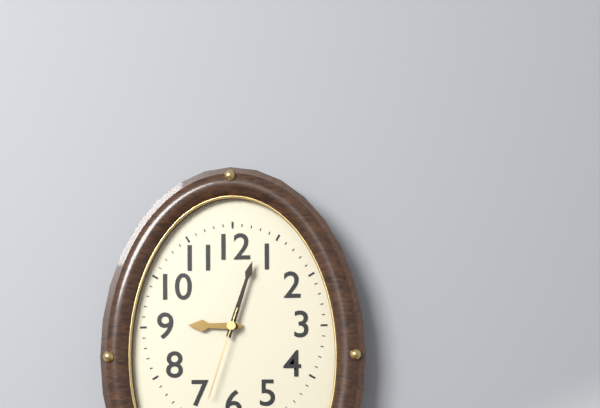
9:03:33
